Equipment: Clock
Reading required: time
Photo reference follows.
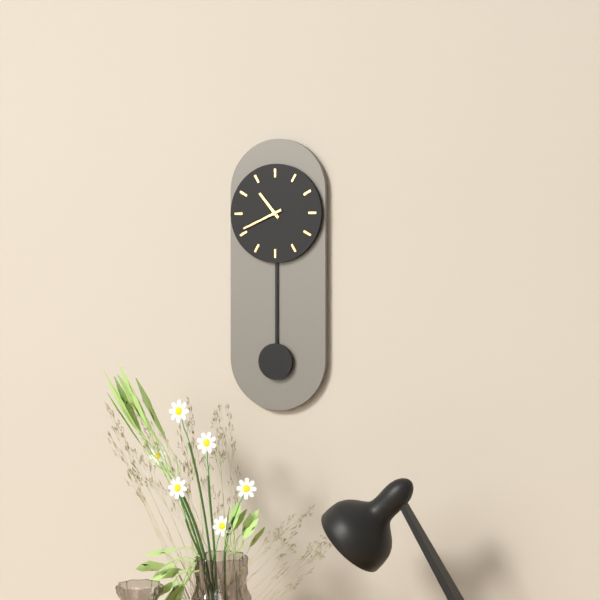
10:41
